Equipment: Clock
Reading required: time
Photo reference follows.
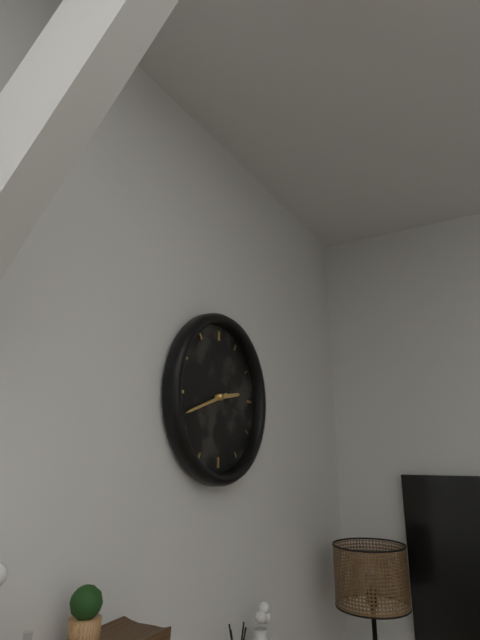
2:42
